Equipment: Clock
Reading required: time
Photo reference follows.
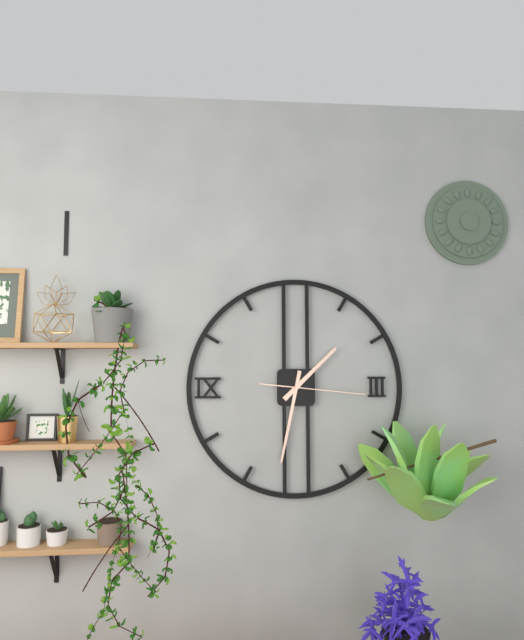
1:32:16
